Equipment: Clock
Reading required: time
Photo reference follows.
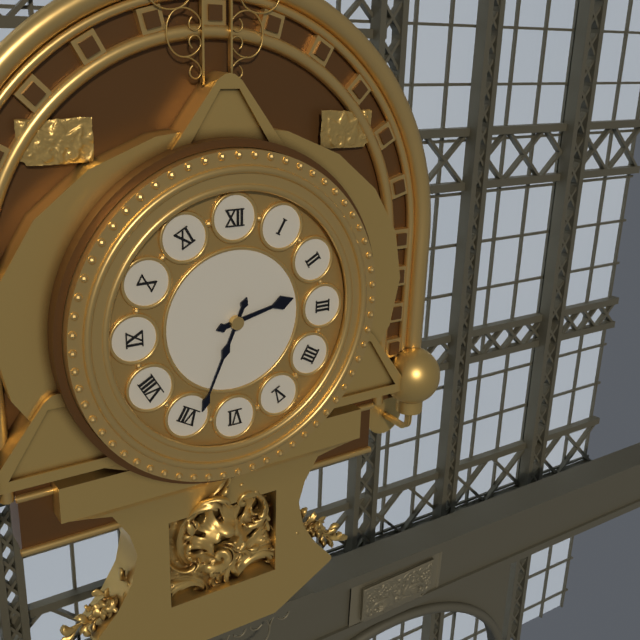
2:34
